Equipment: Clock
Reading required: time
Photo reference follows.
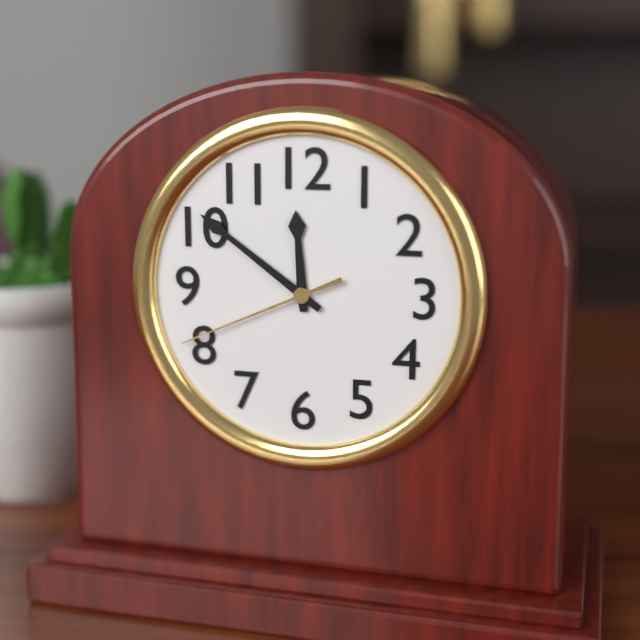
11:51:41
